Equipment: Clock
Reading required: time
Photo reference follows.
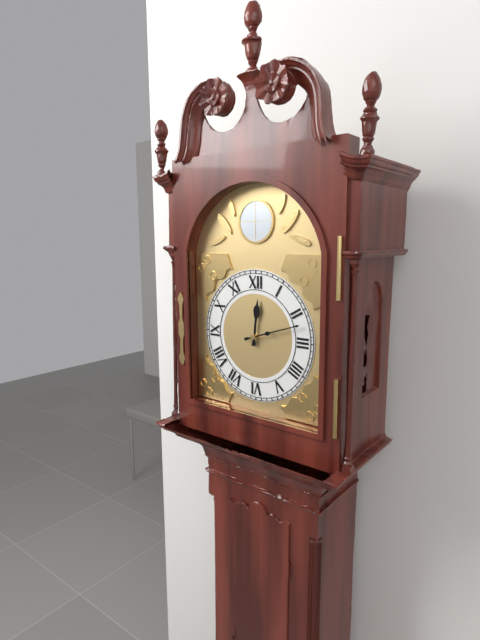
12:12
